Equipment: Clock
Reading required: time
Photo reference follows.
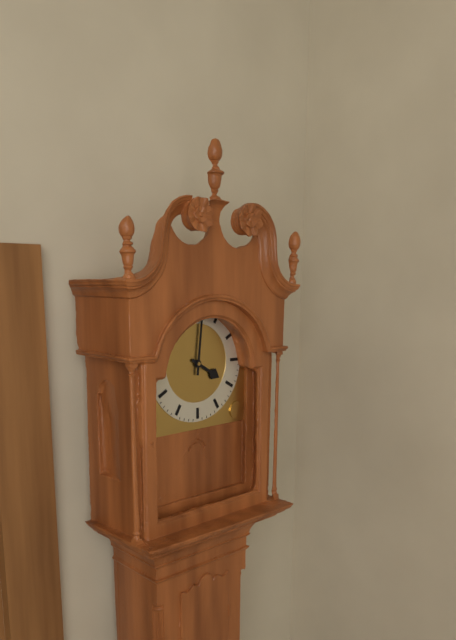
4:01
